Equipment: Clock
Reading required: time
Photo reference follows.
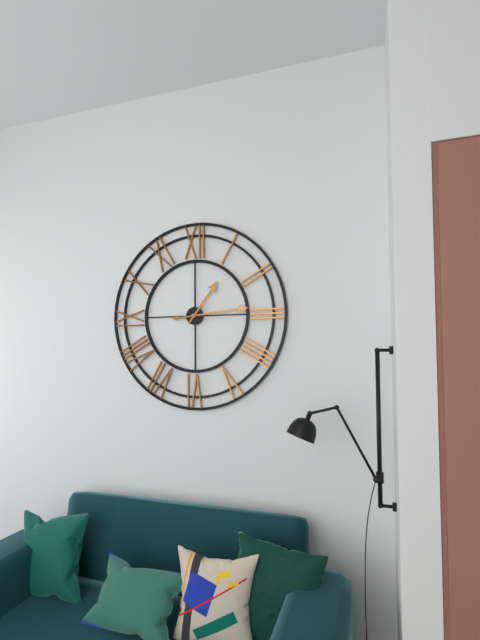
1:14
